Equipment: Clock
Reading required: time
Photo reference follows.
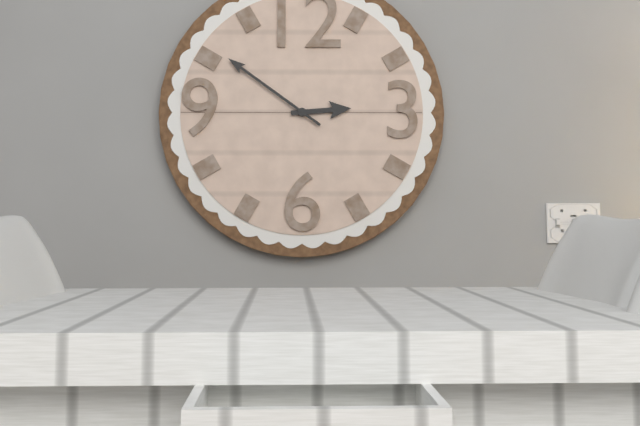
2:51
